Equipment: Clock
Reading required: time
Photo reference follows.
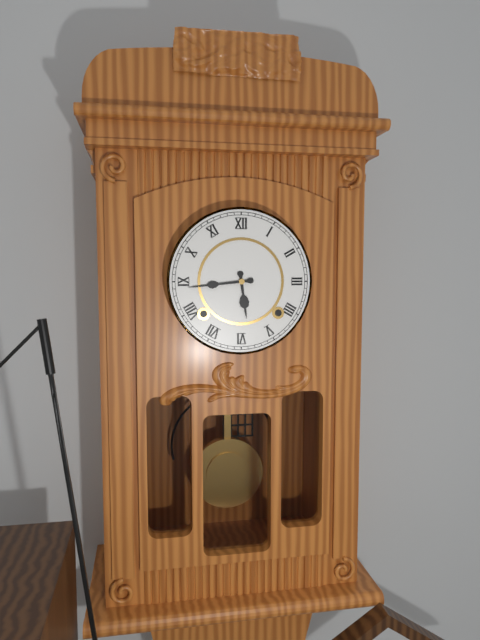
5:44
